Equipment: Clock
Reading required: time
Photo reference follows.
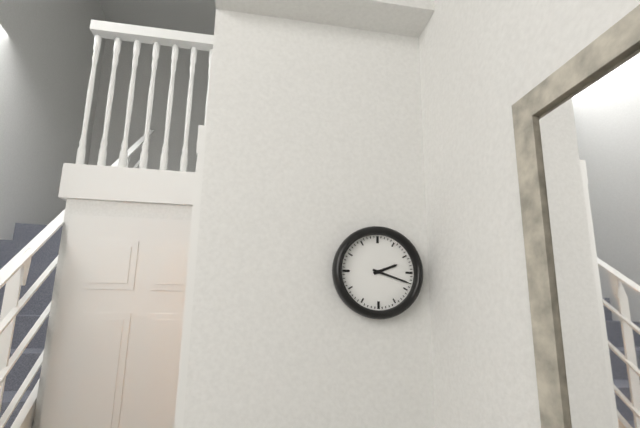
2:18
